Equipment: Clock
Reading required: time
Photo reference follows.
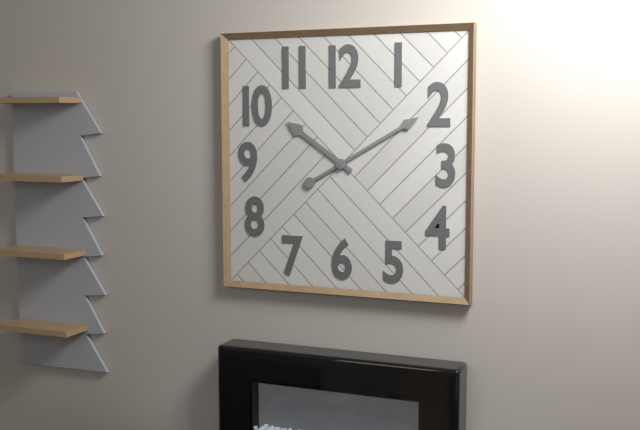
10:10
